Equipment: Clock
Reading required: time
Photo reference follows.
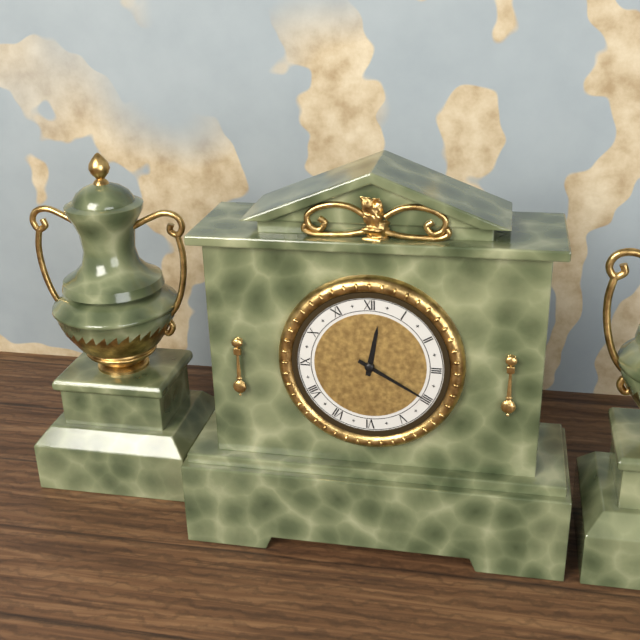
12:20
